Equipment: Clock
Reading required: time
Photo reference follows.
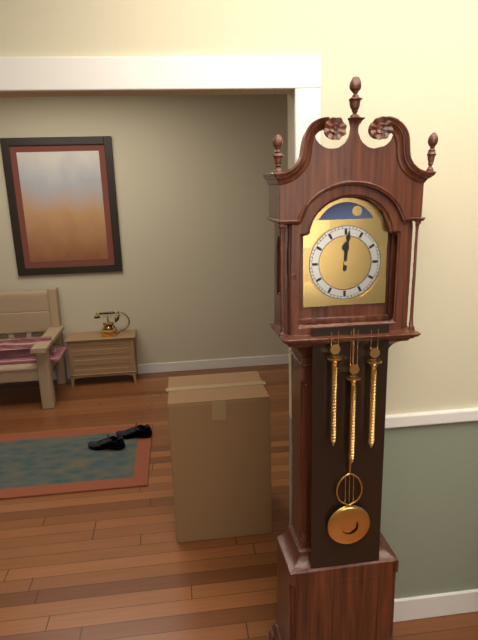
12:01
